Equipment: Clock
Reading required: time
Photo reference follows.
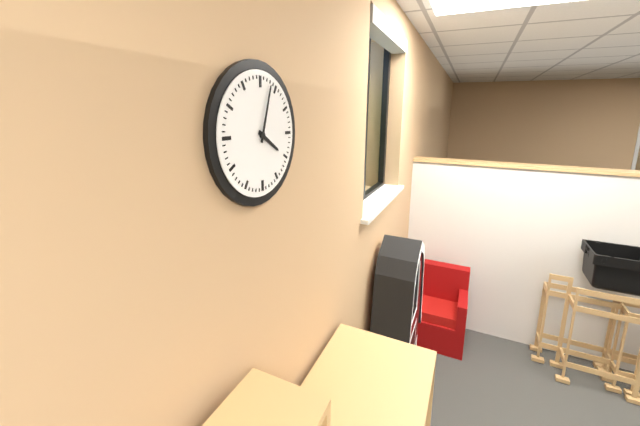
4:03
